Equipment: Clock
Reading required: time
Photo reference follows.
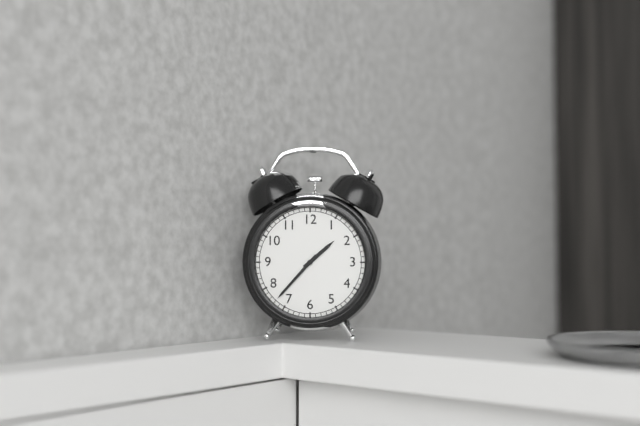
1:37
